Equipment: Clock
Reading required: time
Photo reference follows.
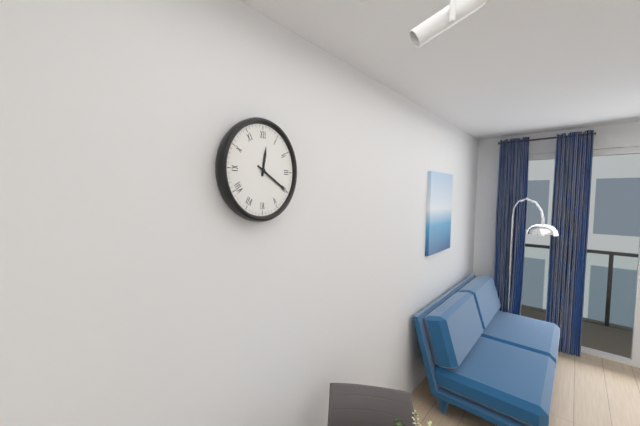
12:20
